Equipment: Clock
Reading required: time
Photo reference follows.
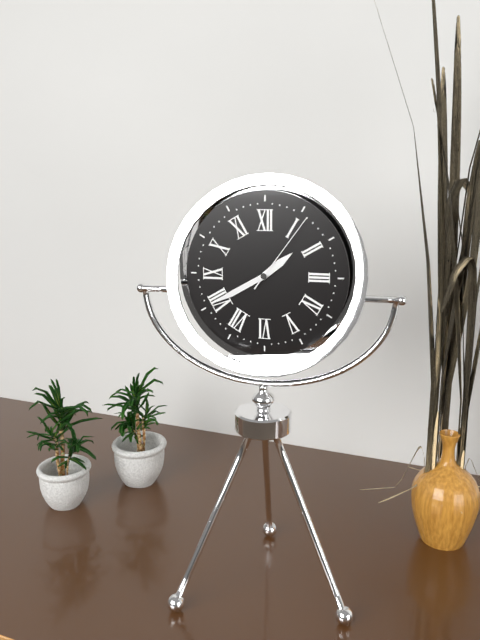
1:40:06
